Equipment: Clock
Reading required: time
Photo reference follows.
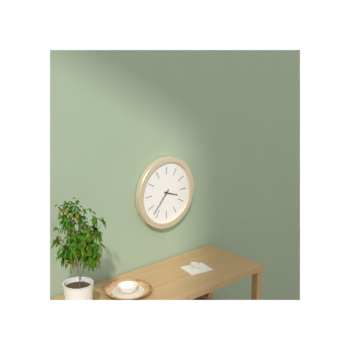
3:37
